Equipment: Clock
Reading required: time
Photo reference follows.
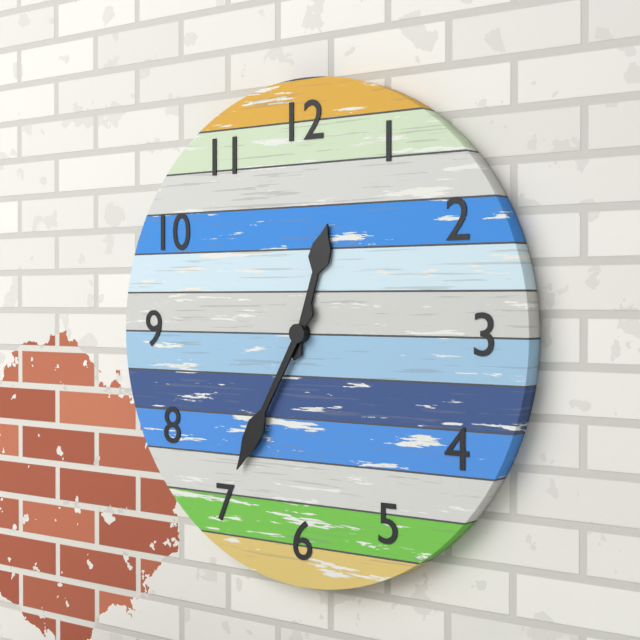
12:35
